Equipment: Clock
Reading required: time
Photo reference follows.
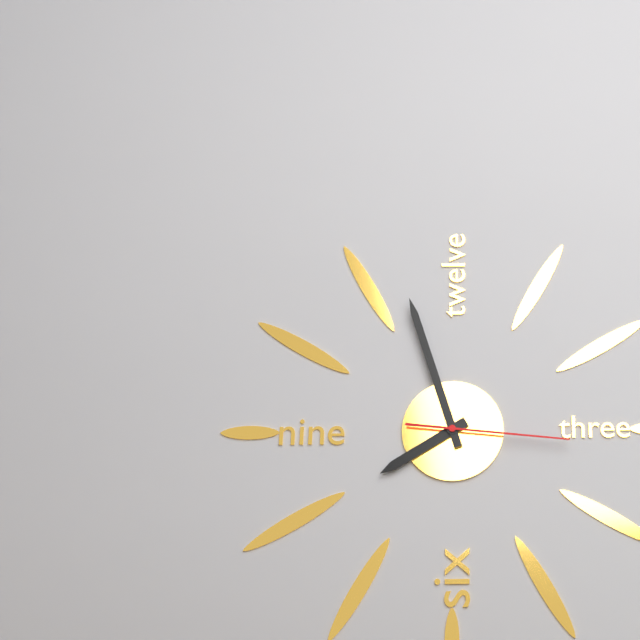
7:57:16
